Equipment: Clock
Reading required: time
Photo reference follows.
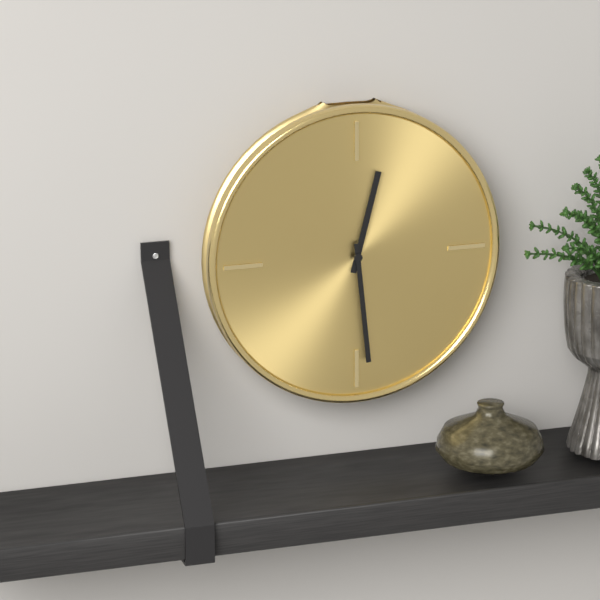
12:29
